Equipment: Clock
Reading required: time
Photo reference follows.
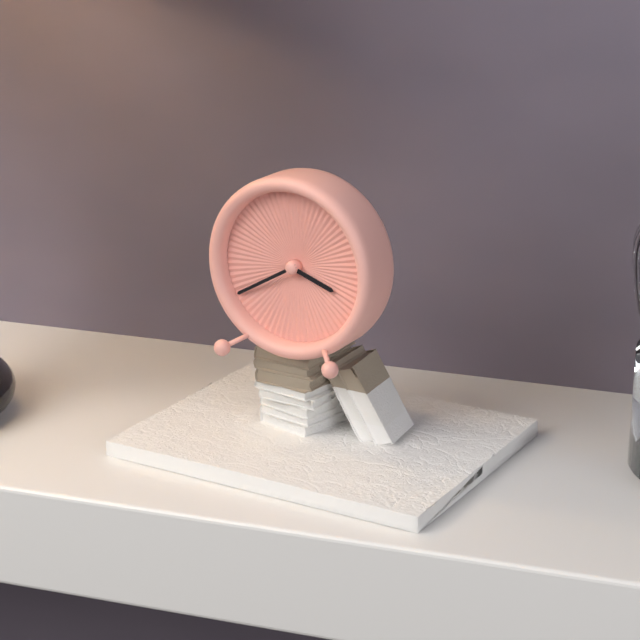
3:40
